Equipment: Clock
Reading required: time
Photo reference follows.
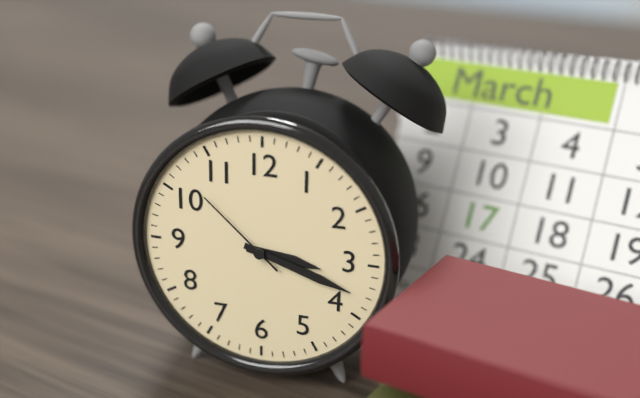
3:18:52
